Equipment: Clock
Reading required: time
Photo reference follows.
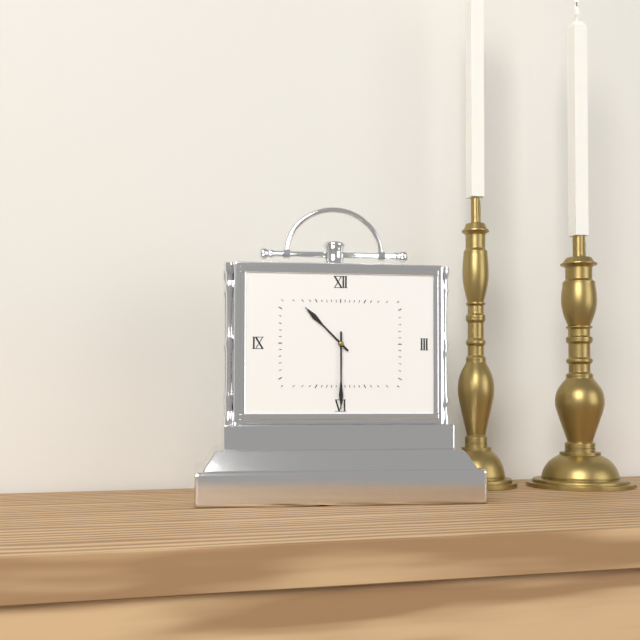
10:30
